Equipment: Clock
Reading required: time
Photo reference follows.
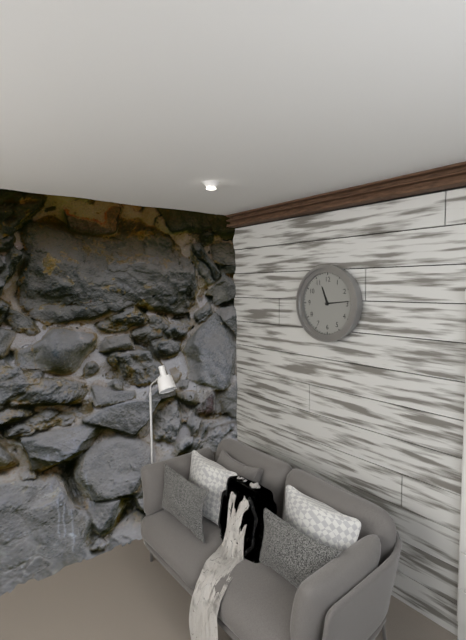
11:14
